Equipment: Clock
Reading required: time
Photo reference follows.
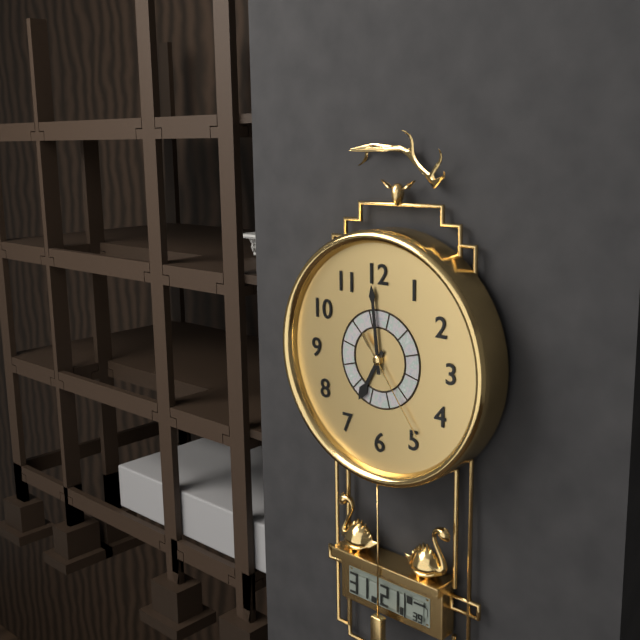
6:59:24
